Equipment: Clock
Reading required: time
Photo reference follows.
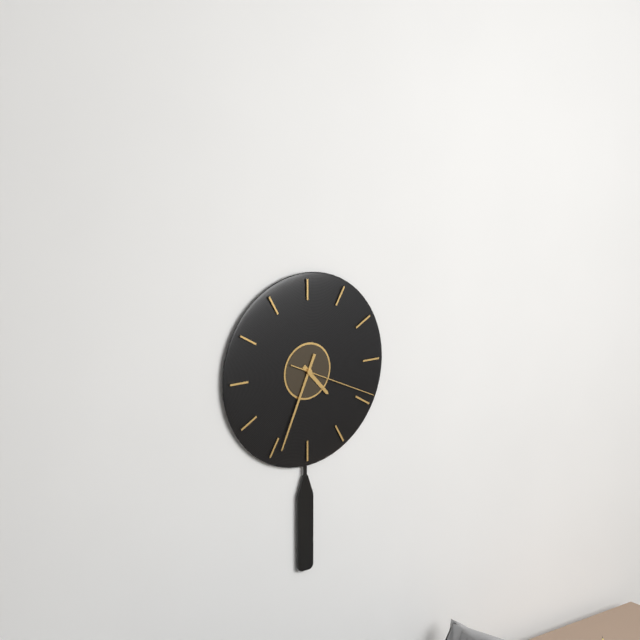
4:34:19
